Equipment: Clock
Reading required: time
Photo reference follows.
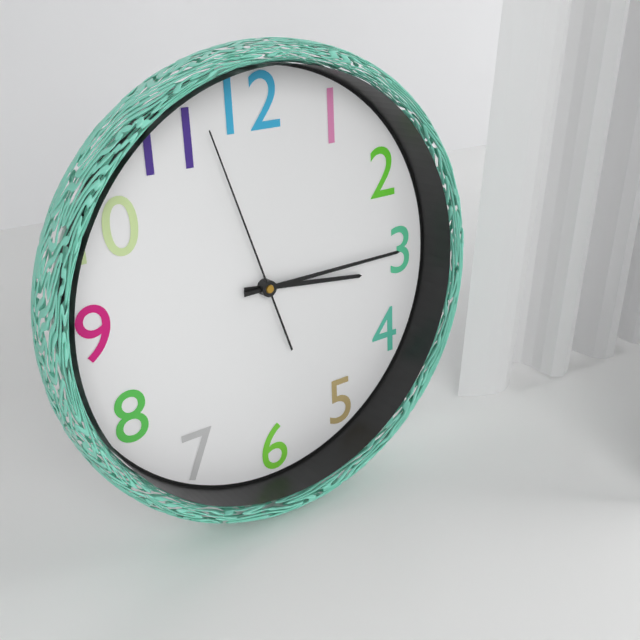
3:15:57
